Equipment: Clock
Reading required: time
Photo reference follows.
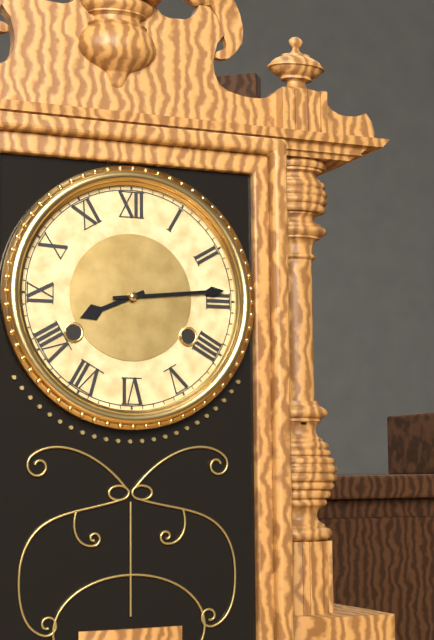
8:14
